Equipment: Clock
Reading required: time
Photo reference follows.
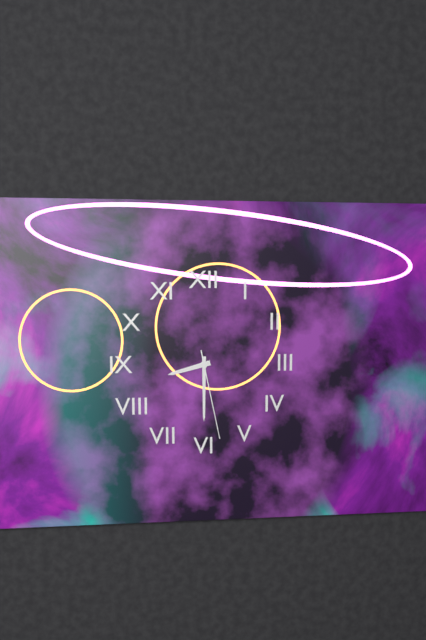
8:30:28
